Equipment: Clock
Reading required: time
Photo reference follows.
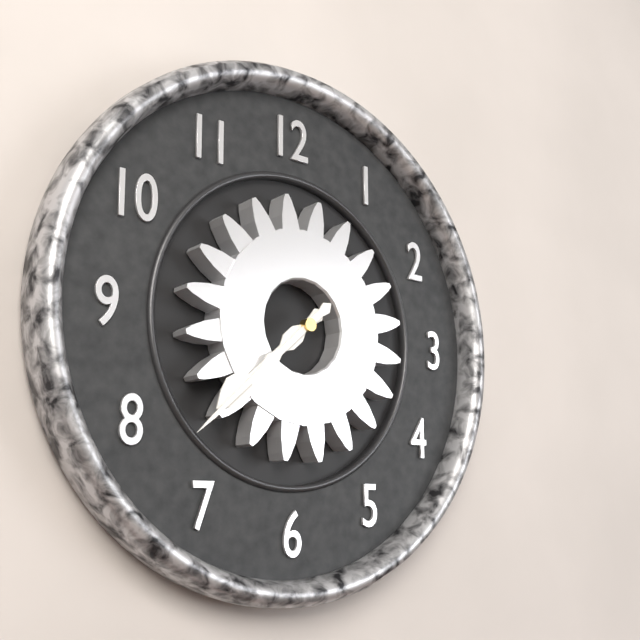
7:38
